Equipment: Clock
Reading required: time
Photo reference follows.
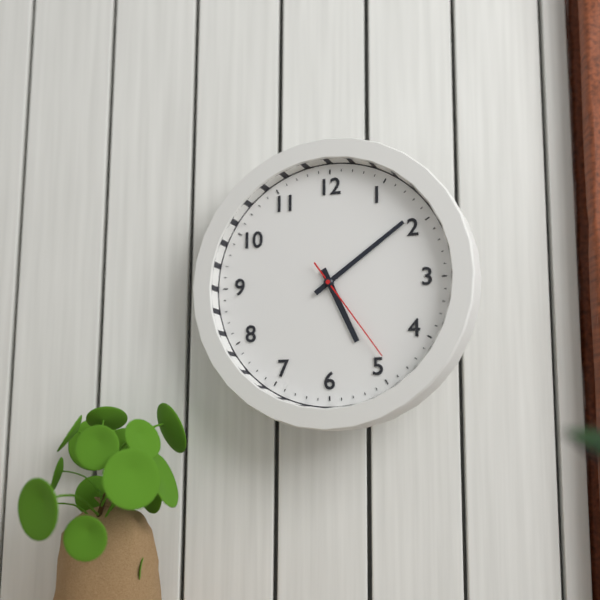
5:09:24
